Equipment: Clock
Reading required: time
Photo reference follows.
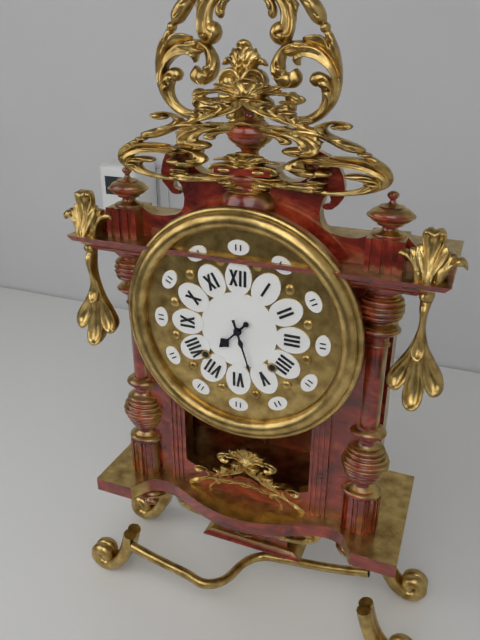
7:27
